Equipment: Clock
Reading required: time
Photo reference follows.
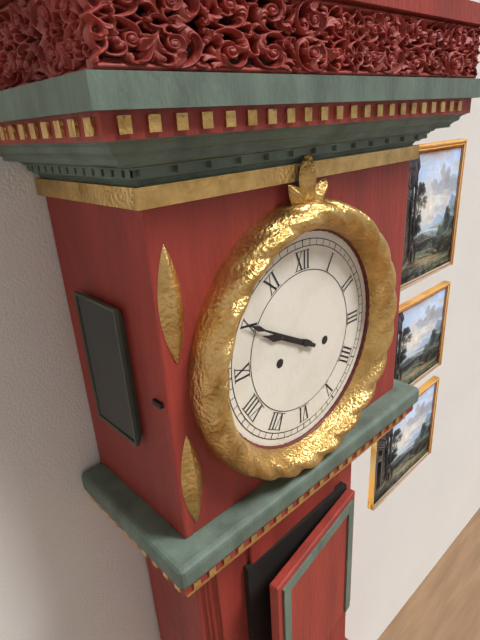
9:50
